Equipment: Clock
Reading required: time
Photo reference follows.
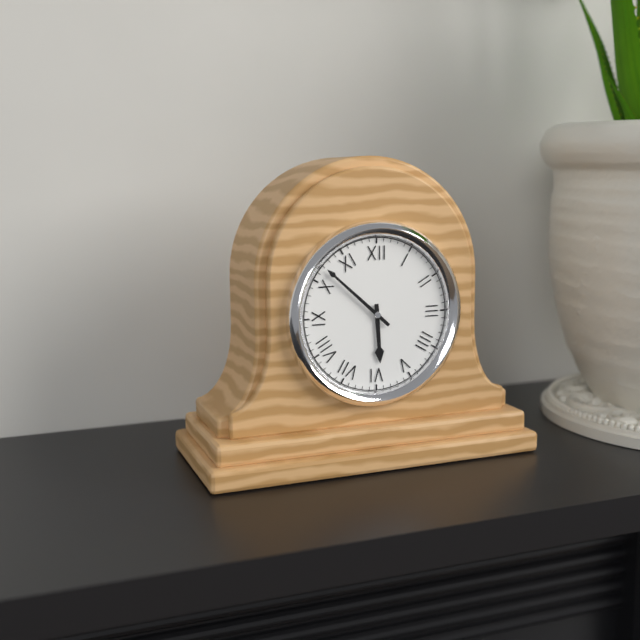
5:52
